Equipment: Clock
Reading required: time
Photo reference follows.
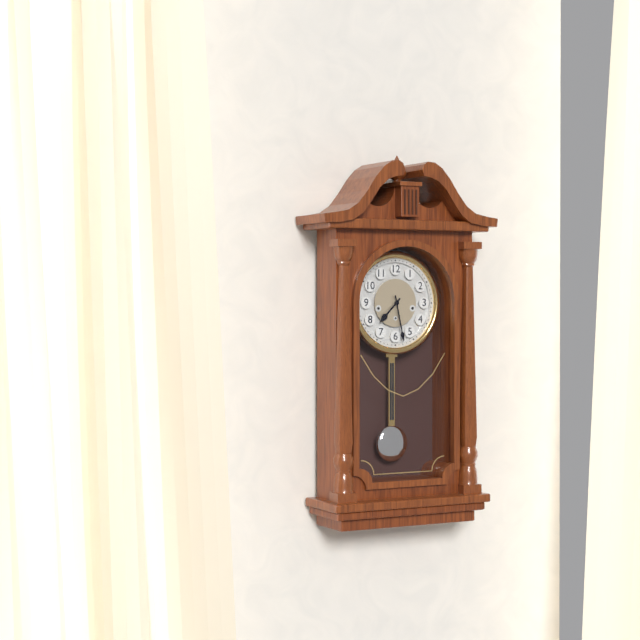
7:28
